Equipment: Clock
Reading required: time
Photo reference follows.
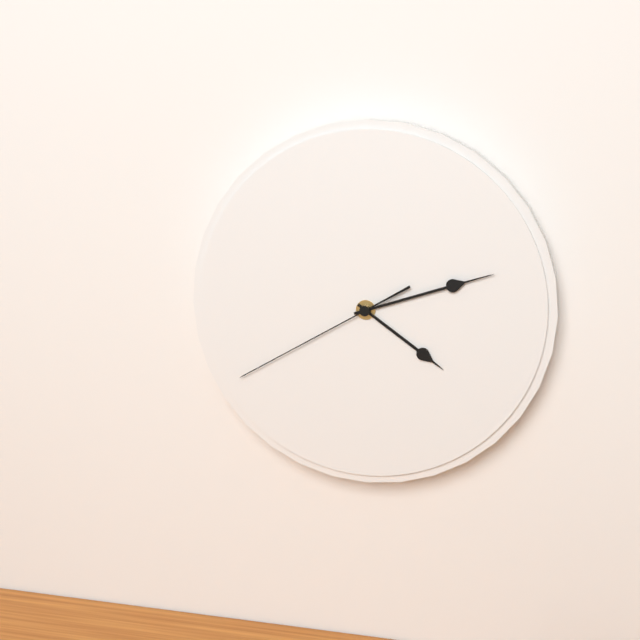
4:12:40
